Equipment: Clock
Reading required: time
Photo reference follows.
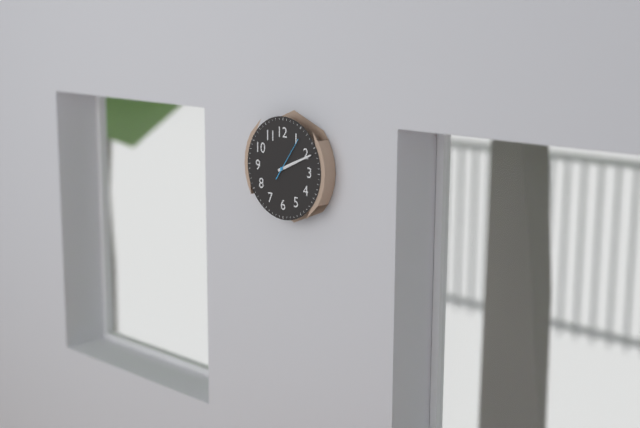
2:11
